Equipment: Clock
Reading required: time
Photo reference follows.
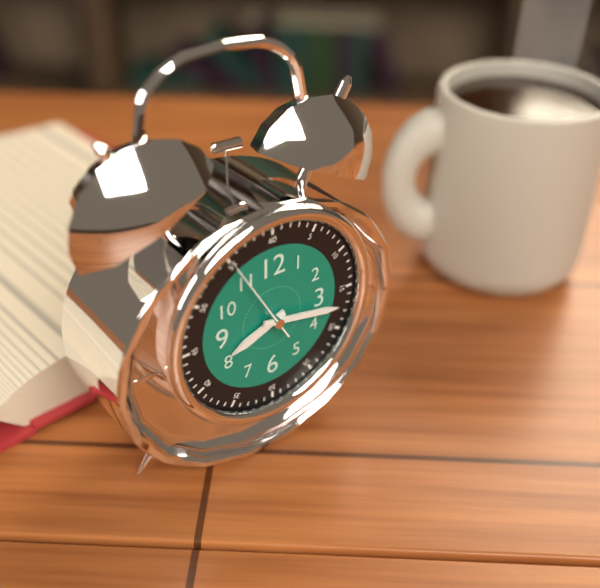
8:17:55
